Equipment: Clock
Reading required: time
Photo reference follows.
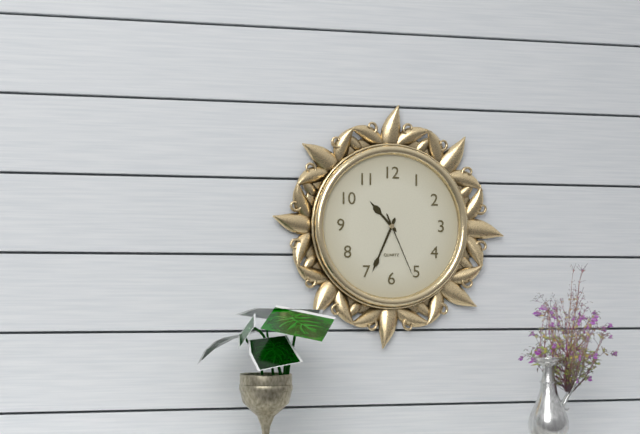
10:34:26
